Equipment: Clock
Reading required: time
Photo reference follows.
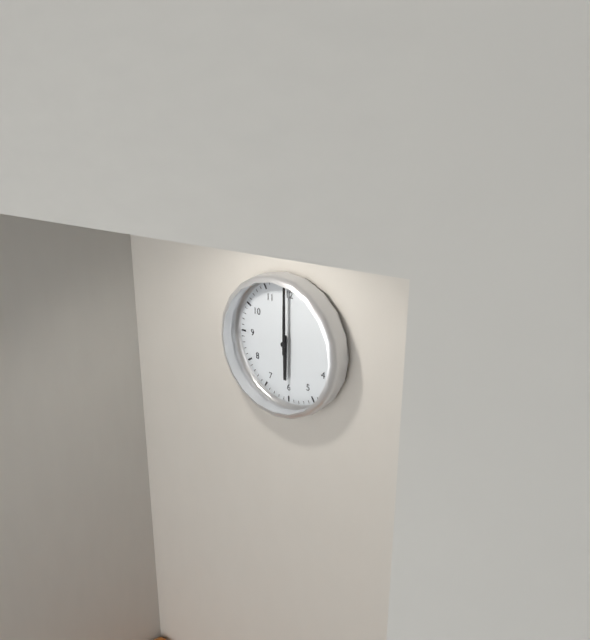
6:00
